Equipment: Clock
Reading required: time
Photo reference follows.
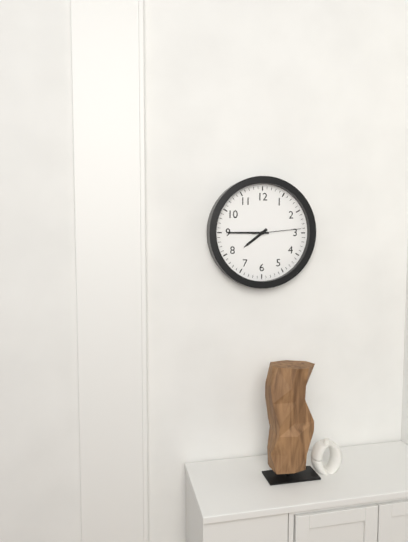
7:45
